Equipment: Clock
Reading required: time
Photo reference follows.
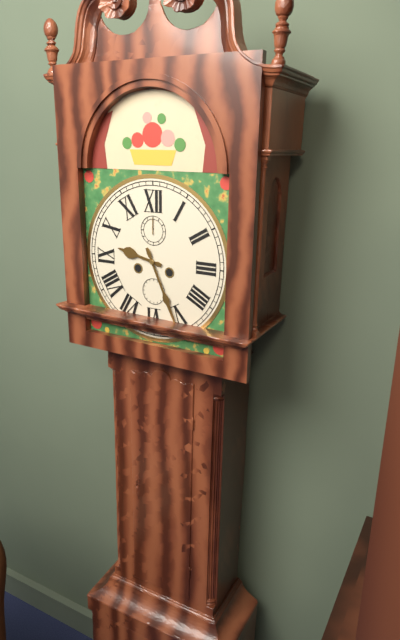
9:26
